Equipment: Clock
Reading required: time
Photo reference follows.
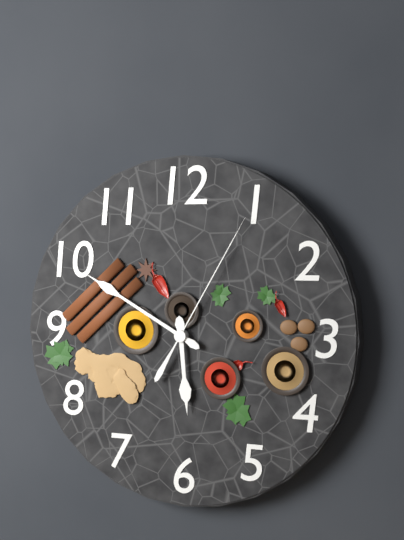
5:50:05
